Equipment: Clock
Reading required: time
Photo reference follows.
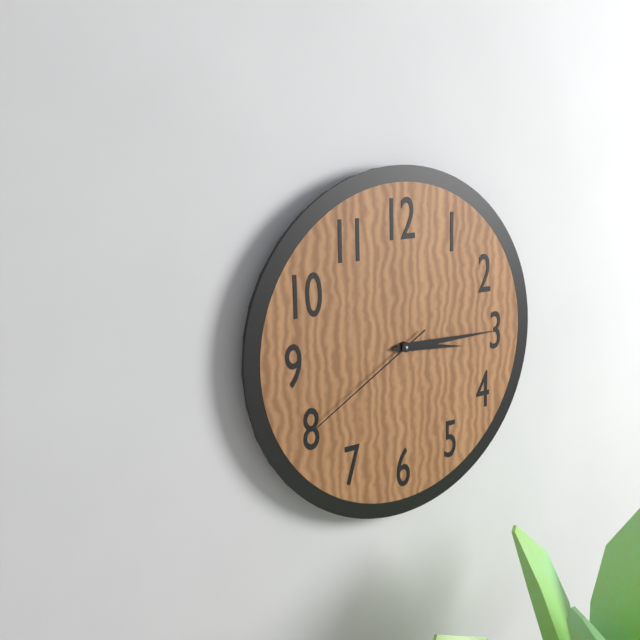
3:15:40
